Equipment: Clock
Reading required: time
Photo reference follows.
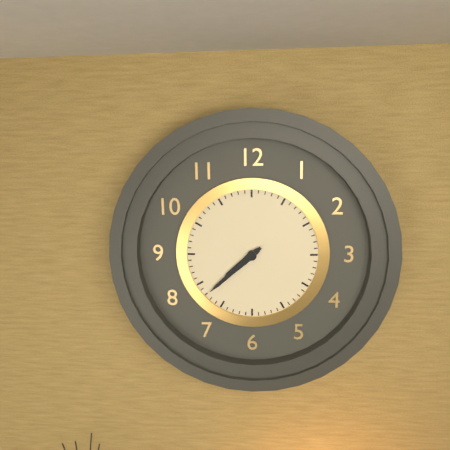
7:38
